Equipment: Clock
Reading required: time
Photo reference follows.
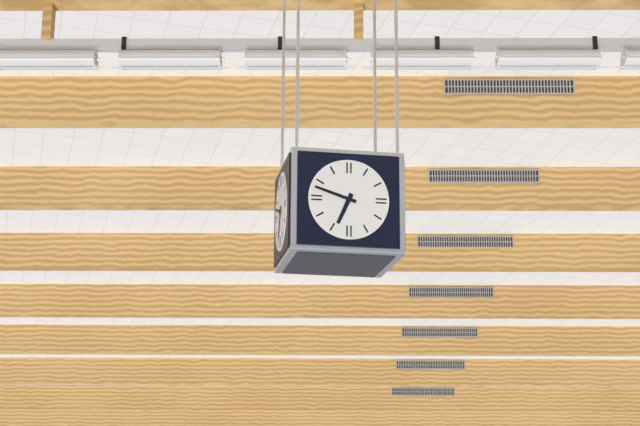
6:48
